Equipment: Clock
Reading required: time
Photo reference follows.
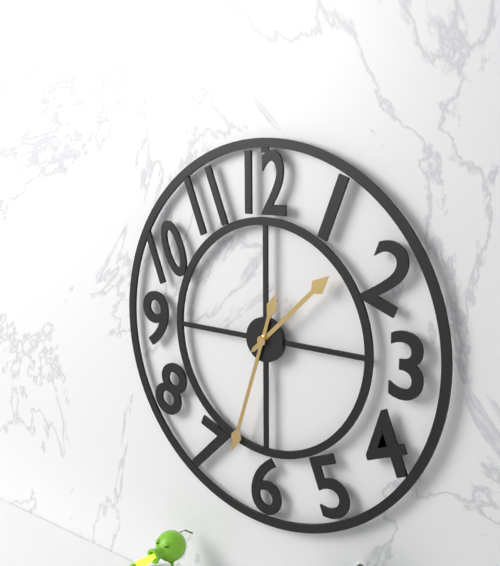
1:33
